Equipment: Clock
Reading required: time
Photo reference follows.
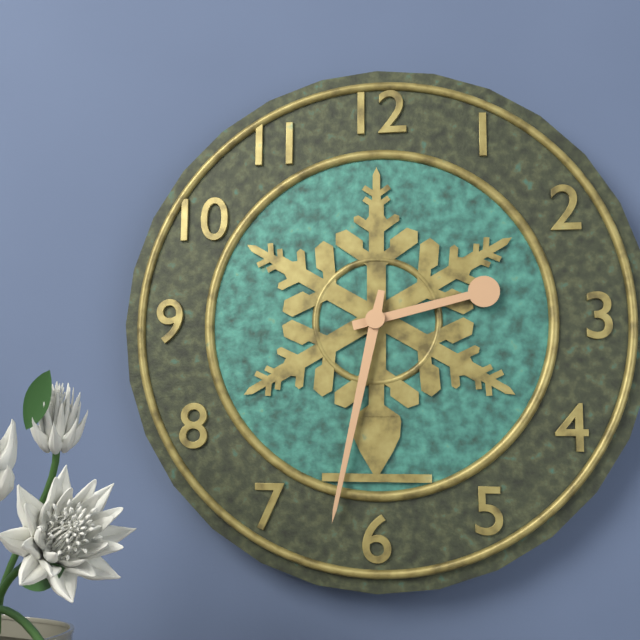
2:32
